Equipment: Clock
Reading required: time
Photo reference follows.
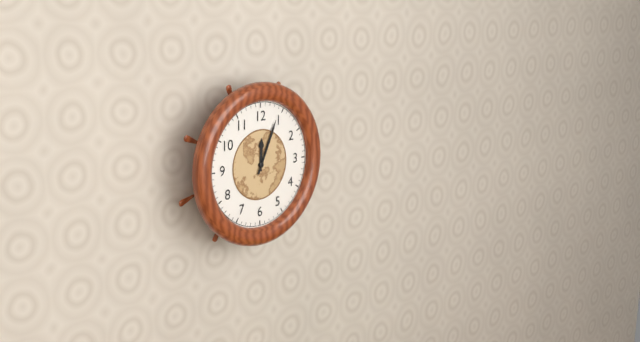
12:04
